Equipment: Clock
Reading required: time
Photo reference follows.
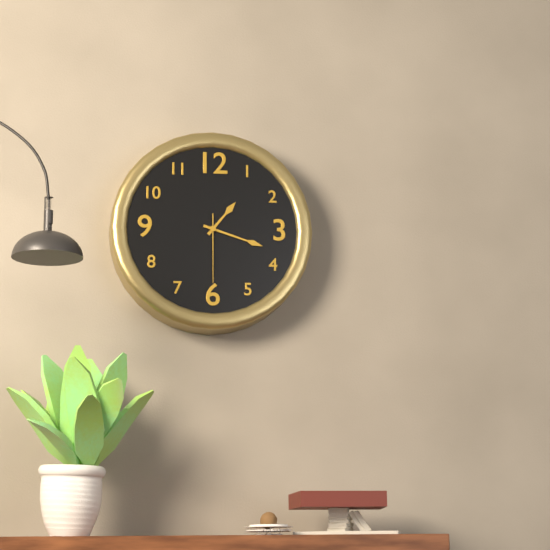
1:18:30
